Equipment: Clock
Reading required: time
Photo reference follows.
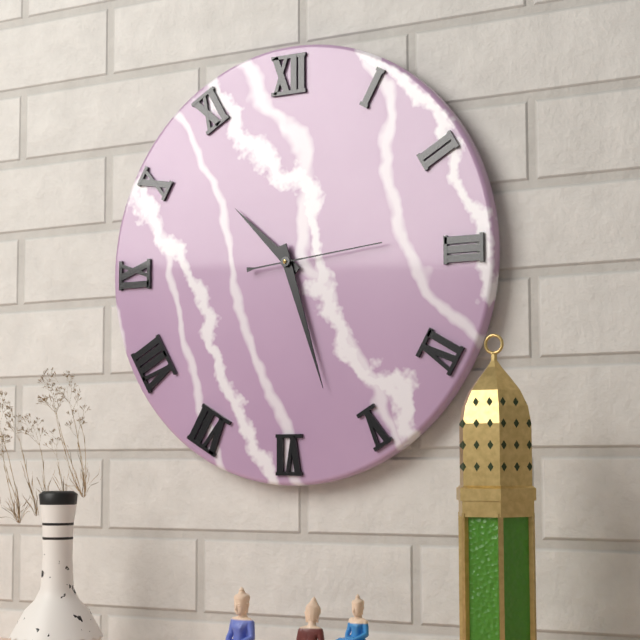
10:27:14
